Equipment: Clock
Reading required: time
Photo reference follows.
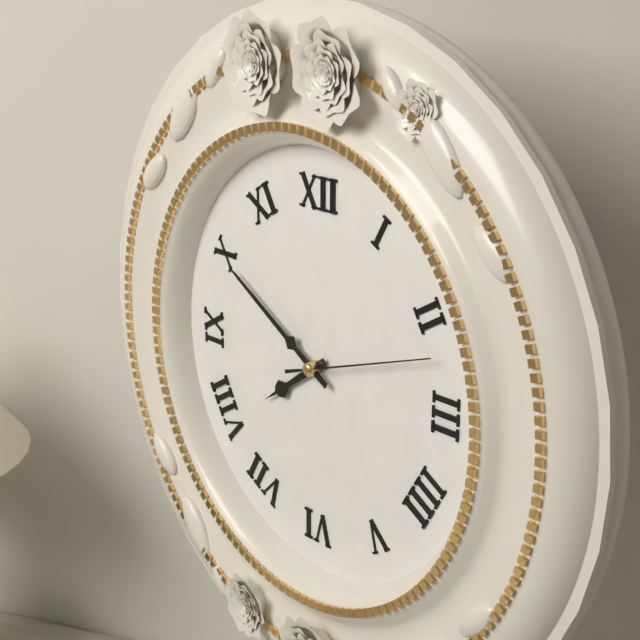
7:50:12
